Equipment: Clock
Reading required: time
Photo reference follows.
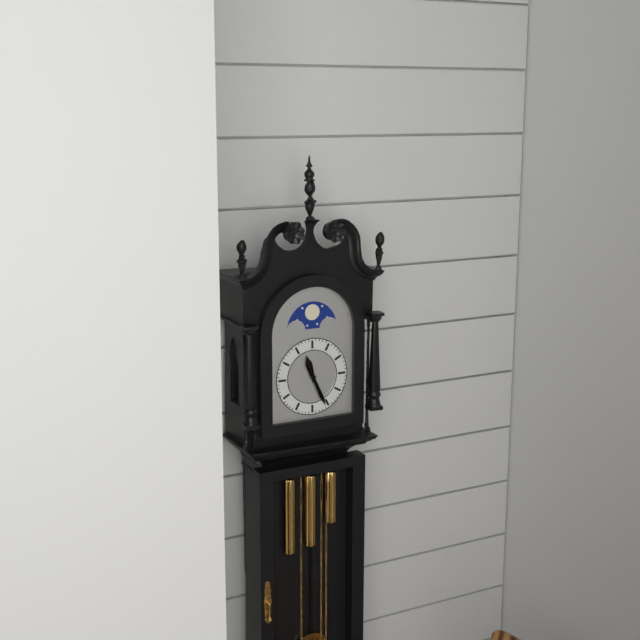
11:26
